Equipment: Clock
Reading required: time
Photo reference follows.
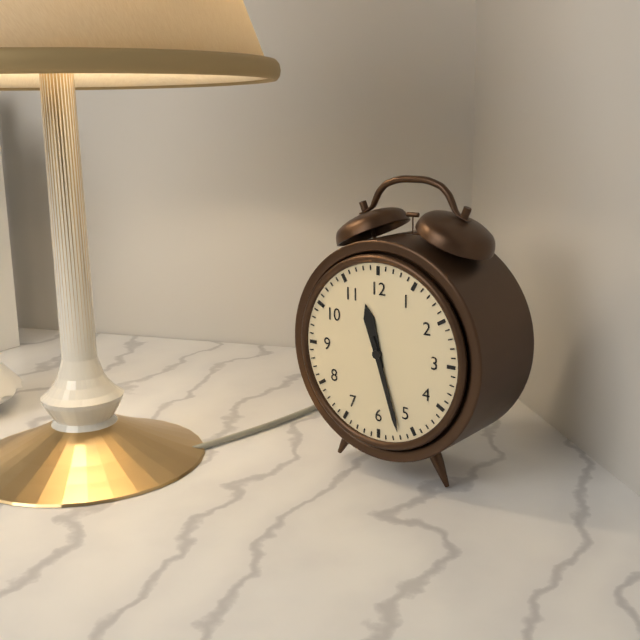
11:27
